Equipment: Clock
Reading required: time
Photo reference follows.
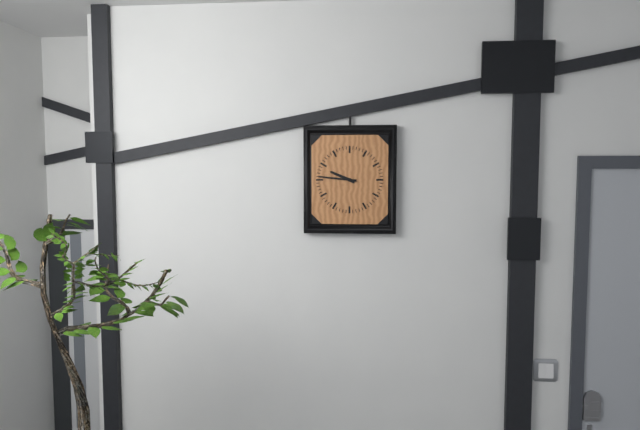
9:46
